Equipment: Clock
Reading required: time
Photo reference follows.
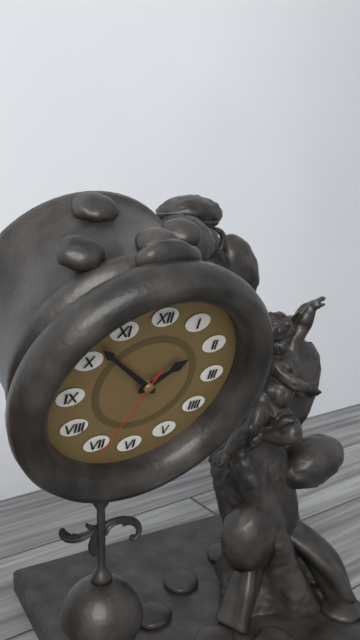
1:52:34
